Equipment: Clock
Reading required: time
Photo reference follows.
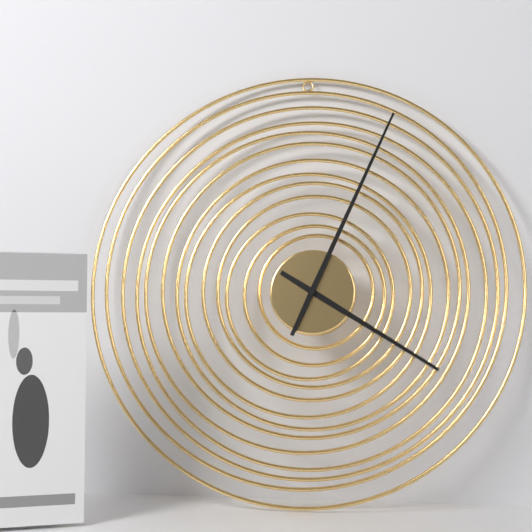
4:04
